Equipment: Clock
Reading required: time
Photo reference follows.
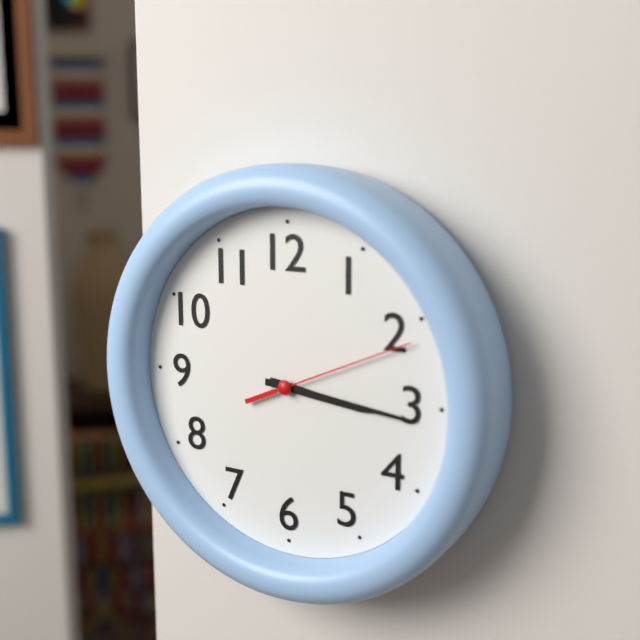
3:16:11
